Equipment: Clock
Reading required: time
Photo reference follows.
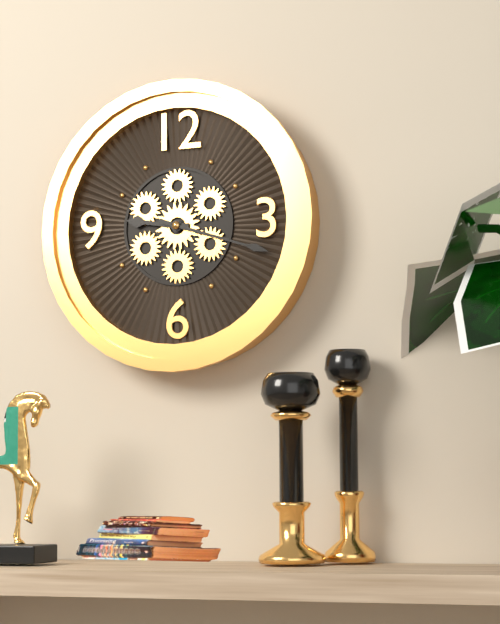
9:18
